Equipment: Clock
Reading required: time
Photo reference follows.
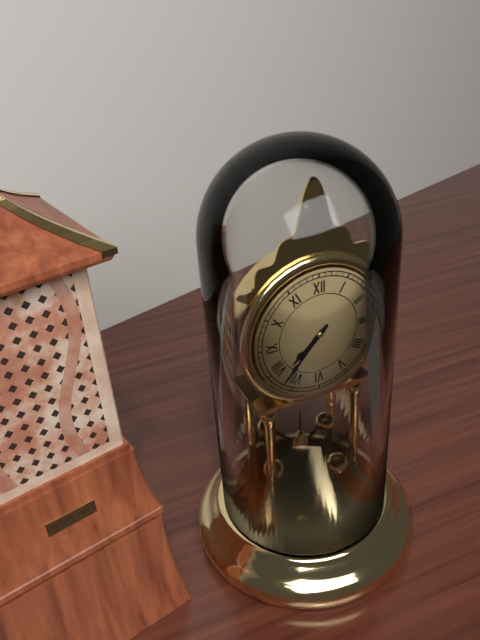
7:37
